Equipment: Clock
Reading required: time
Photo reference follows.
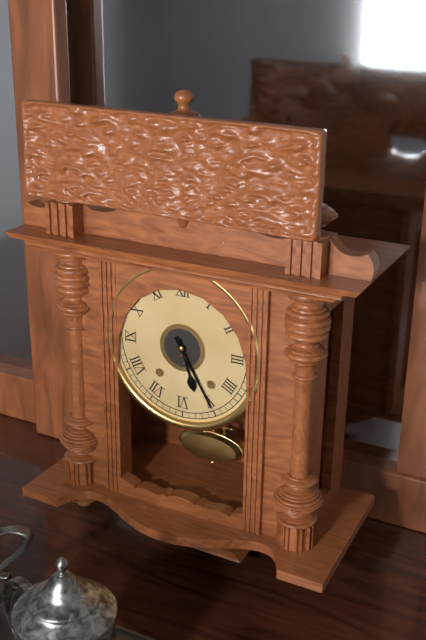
5:25
